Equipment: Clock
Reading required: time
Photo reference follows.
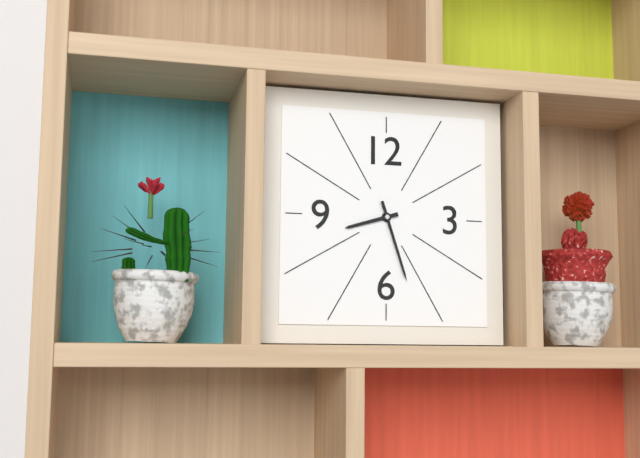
8:27
